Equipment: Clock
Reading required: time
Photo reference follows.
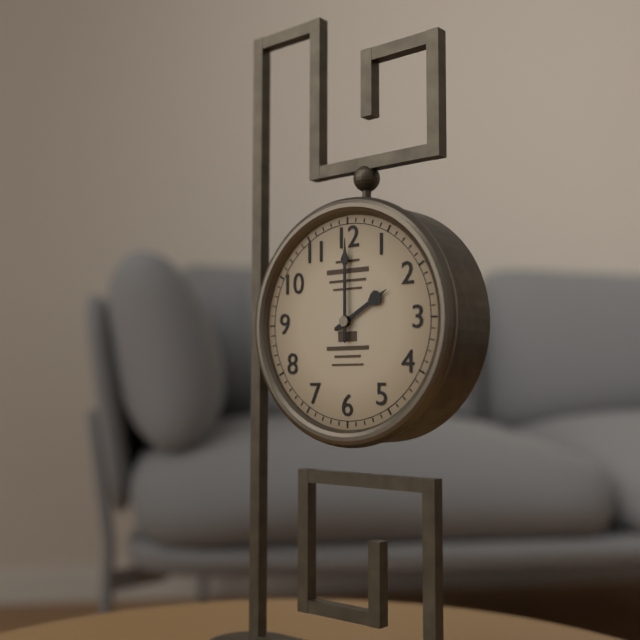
2:00
